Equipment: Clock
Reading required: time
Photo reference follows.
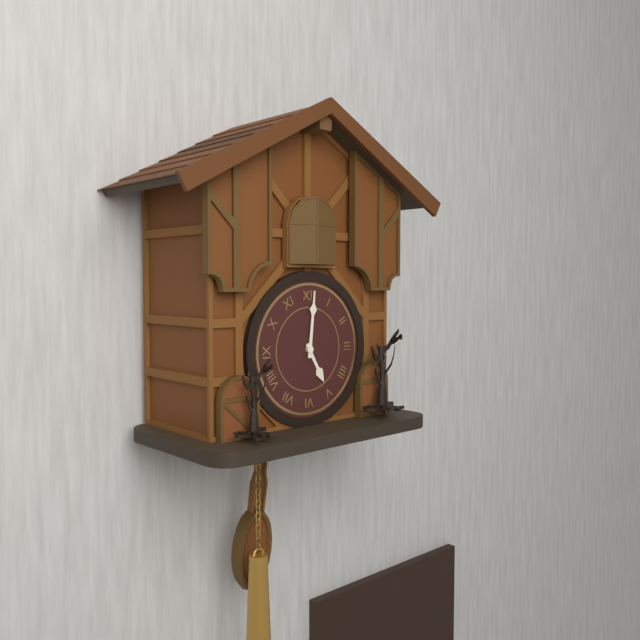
5:01
